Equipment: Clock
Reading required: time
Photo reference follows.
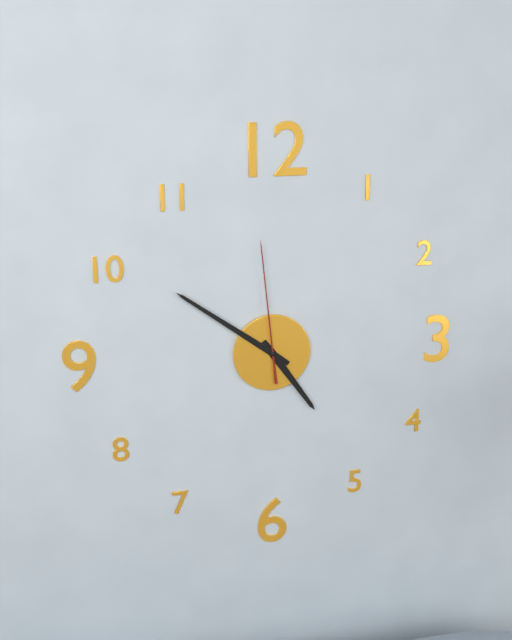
4:51:59
